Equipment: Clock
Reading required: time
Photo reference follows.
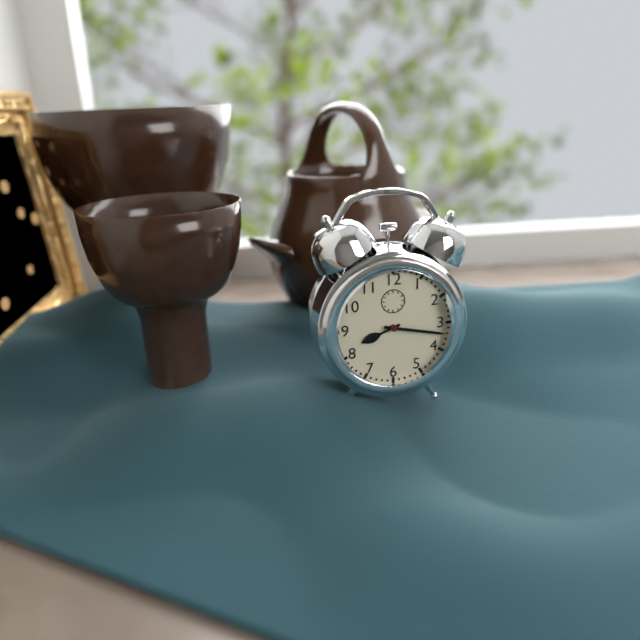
8:17
